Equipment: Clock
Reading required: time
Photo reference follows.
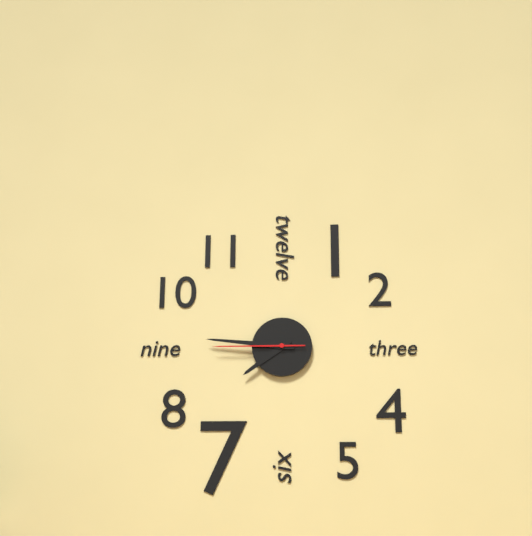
7:46:45
